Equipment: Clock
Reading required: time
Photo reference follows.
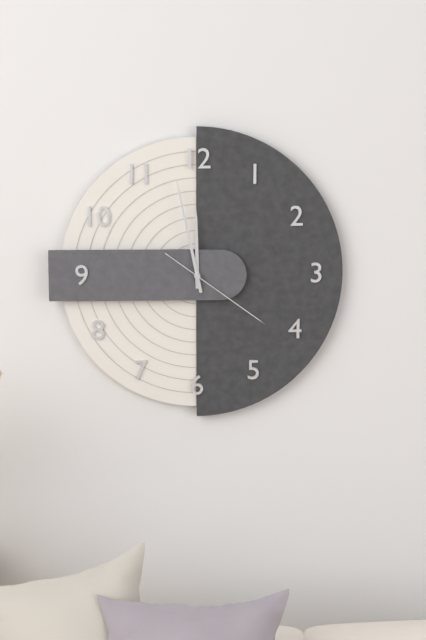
11:58:21
